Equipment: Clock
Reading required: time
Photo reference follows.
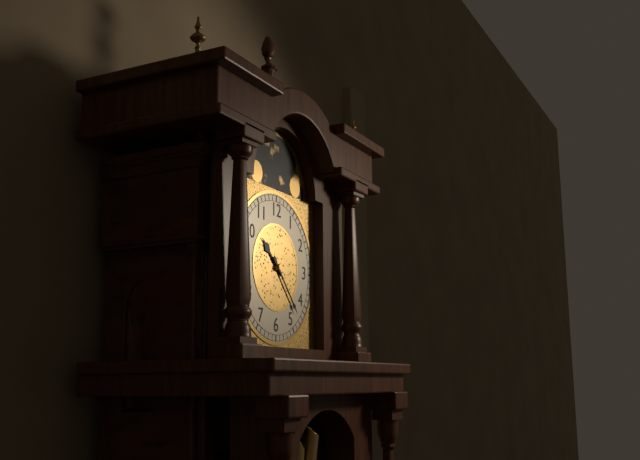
10:23
